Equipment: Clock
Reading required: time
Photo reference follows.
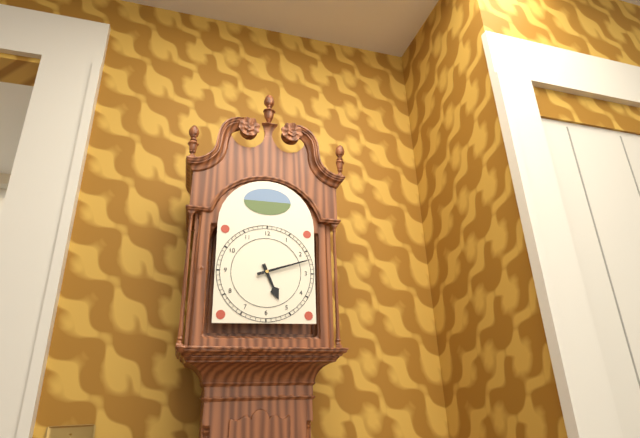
5:12
